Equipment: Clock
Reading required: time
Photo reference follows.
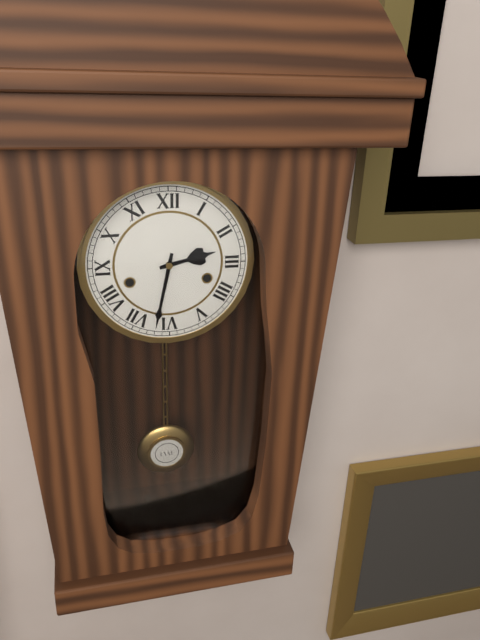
2:32
